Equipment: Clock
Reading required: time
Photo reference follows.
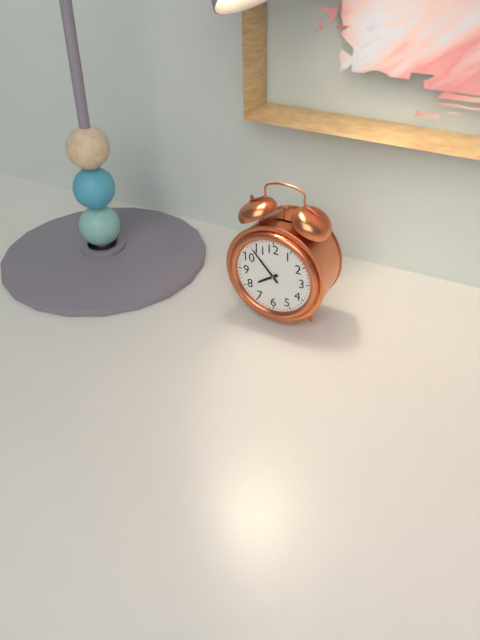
7:53
